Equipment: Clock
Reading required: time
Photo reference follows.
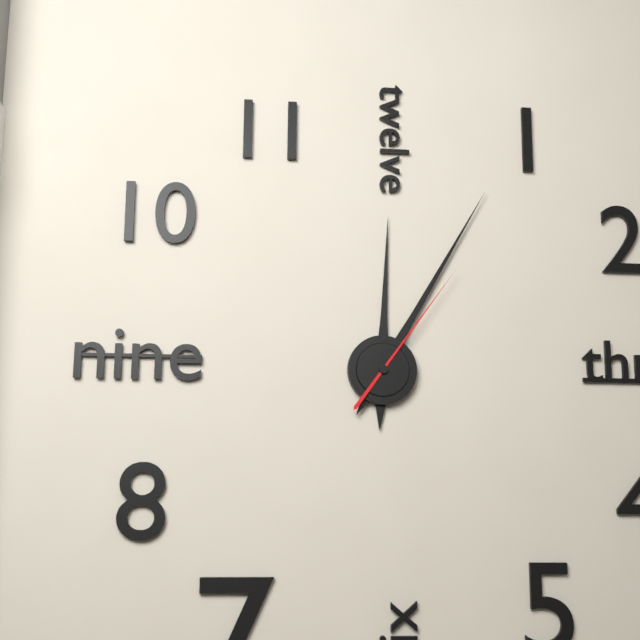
12:05:06
